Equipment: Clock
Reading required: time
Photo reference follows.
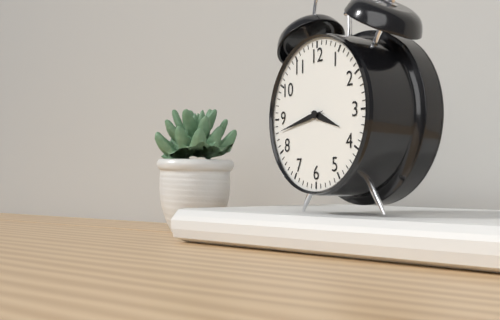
3:43
